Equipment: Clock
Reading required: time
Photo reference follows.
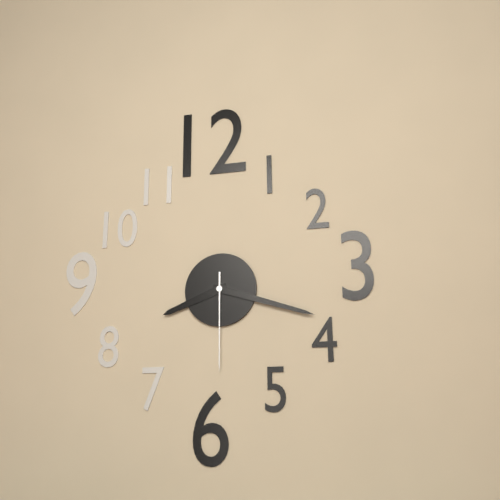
8:18:30
